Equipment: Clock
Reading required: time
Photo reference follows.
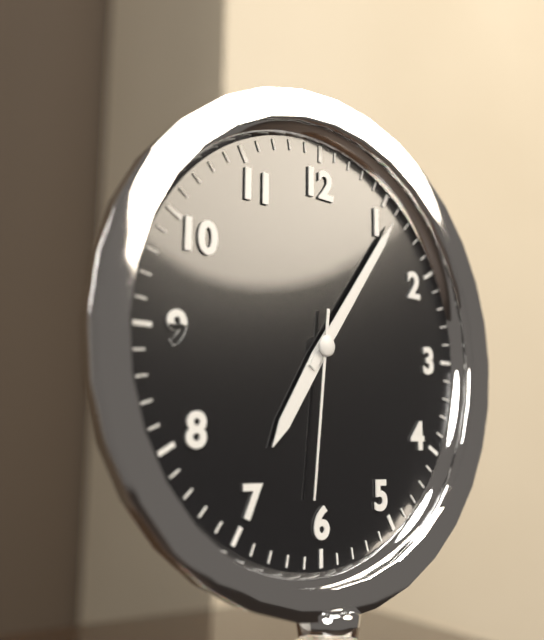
7:06:31
